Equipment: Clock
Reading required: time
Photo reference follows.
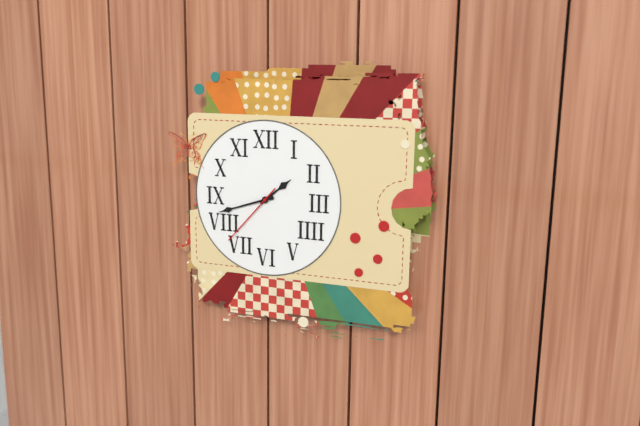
1:42:37
